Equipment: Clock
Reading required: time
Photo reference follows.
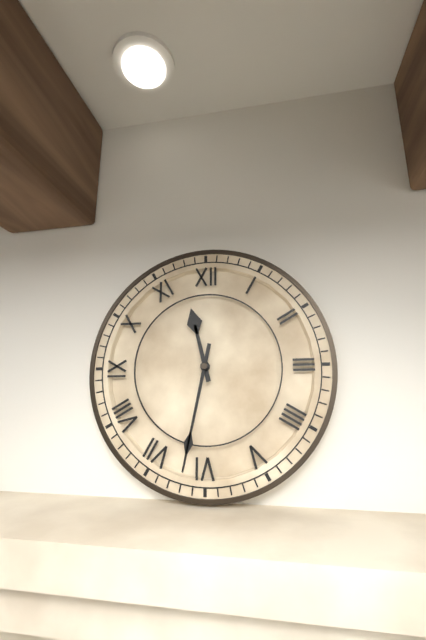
11:32
